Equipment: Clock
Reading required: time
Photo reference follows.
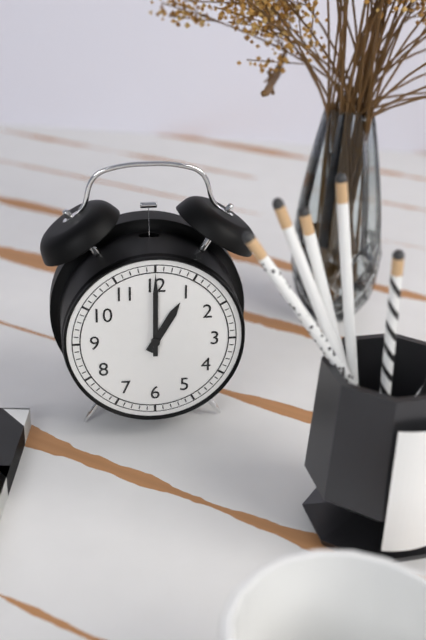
1:00
